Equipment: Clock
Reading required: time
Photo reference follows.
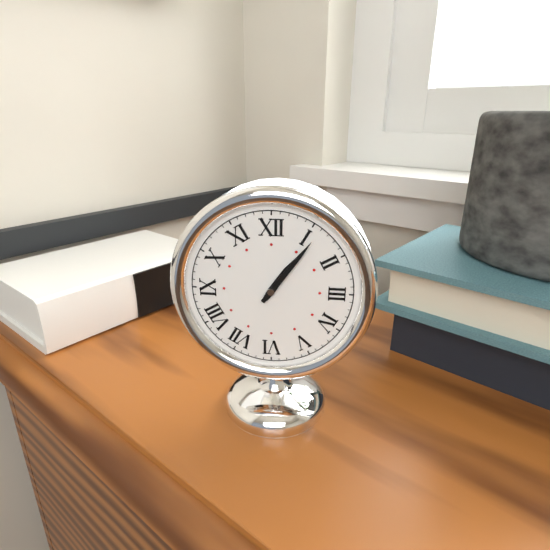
1:06
